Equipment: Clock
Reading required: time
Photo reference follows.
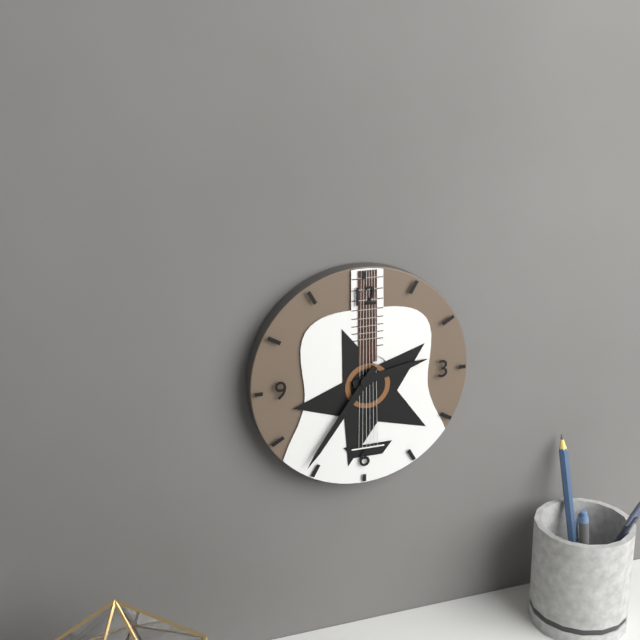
2:36
